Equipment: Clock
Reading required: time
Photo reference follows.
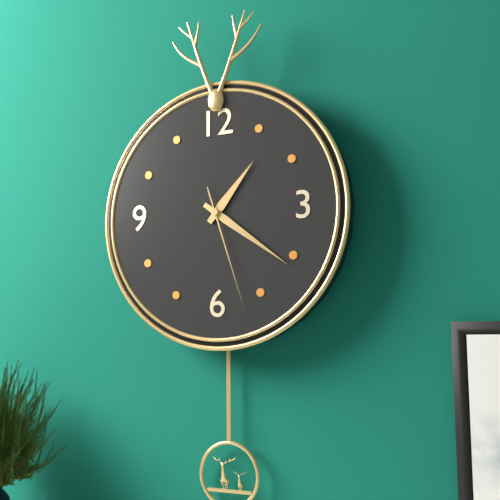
1:21:27
